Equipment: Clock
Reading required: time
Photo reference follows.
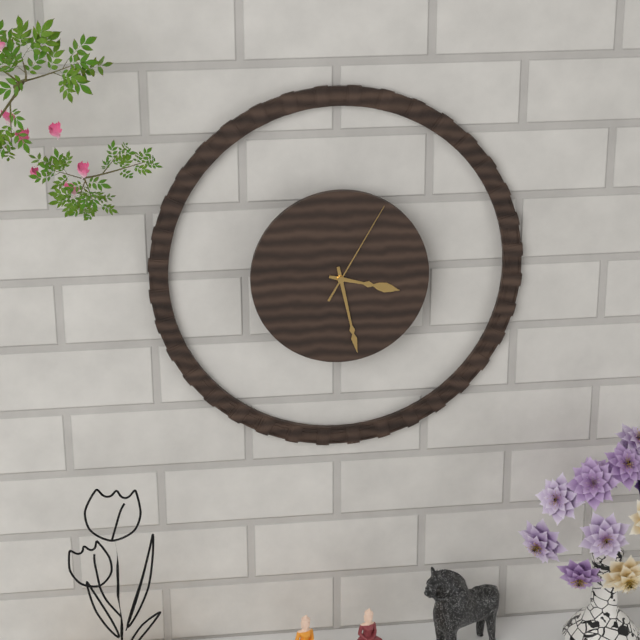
3:28:05
